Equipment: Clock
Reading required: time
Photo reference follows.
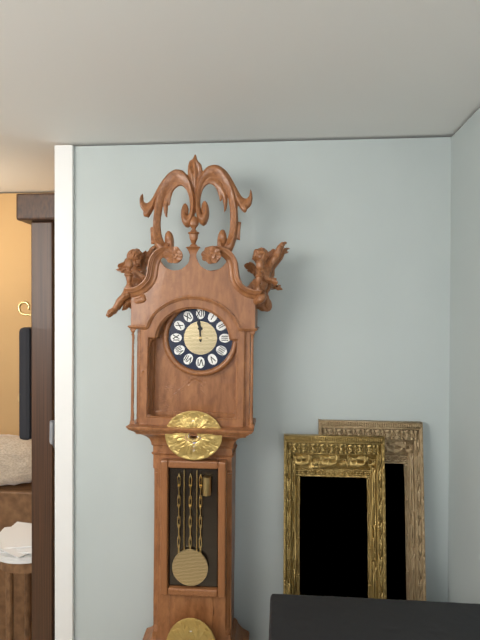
11:59
